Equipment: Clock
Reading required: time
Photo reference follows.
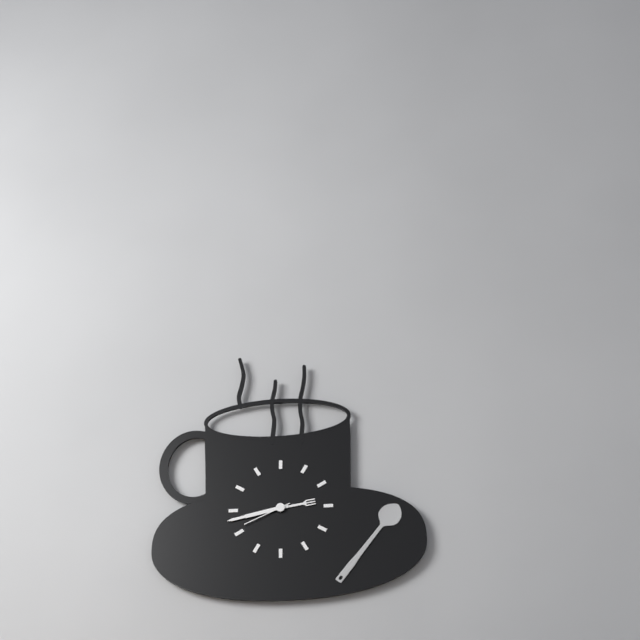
2:43:41
